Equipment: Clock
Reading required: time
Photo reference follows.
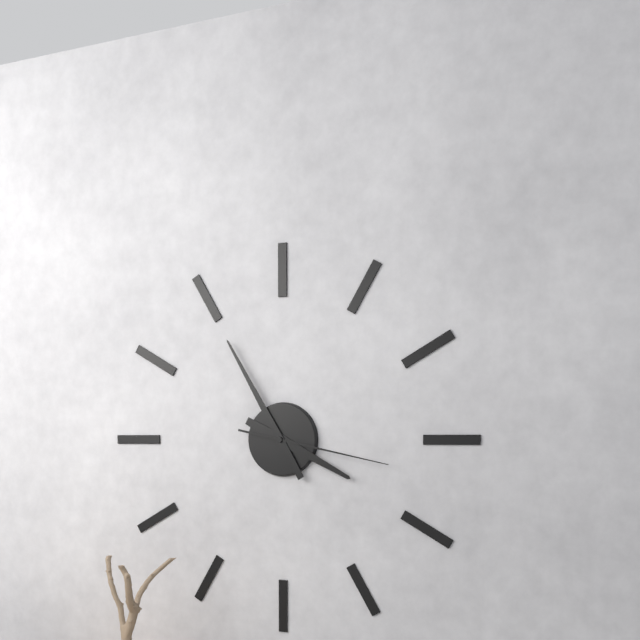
3:55:17
